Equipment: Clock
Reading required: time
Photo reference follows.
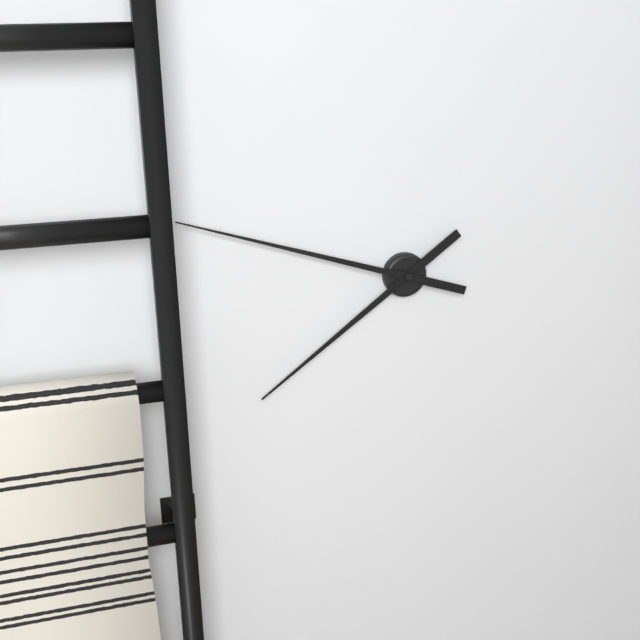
7:48
